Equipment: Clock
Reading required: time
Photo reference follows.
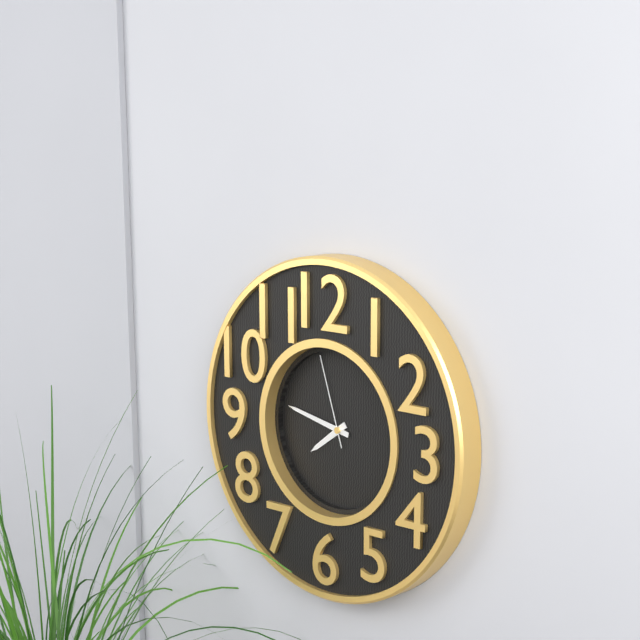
7:47:57
